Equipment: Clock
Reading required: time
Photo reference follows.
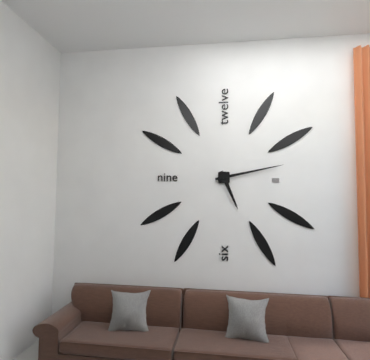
5:13
